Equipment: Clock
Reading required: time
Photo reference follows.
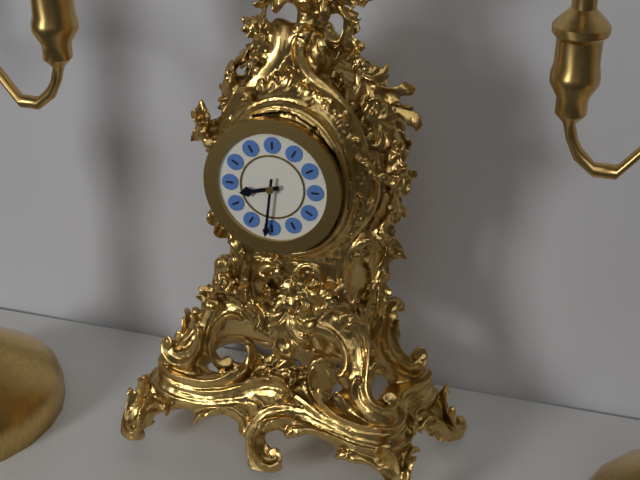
8:31
